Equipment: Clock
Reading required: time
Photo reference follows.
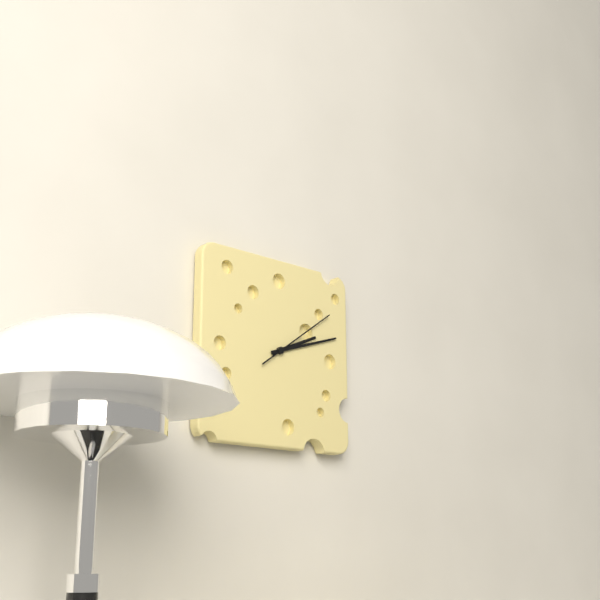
2:12:09
